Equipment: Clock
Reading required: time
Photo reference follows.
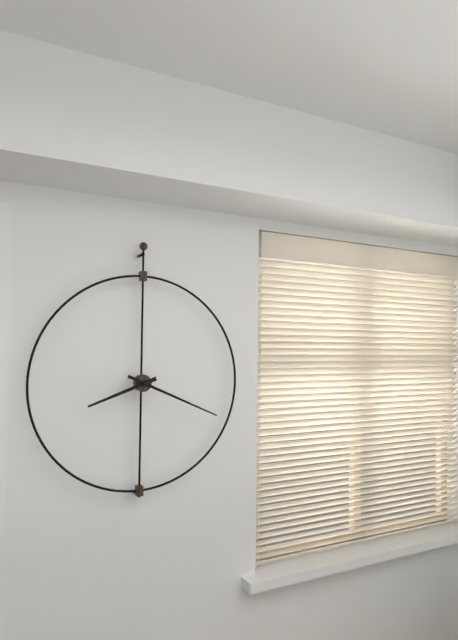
8:19
